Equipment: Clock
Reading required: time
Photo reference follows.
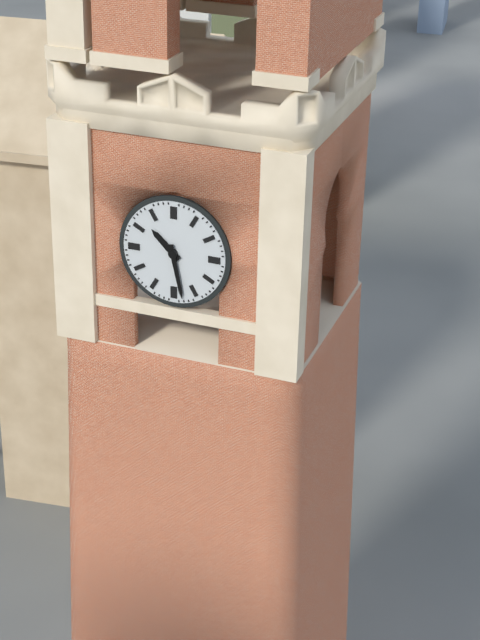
10:28
